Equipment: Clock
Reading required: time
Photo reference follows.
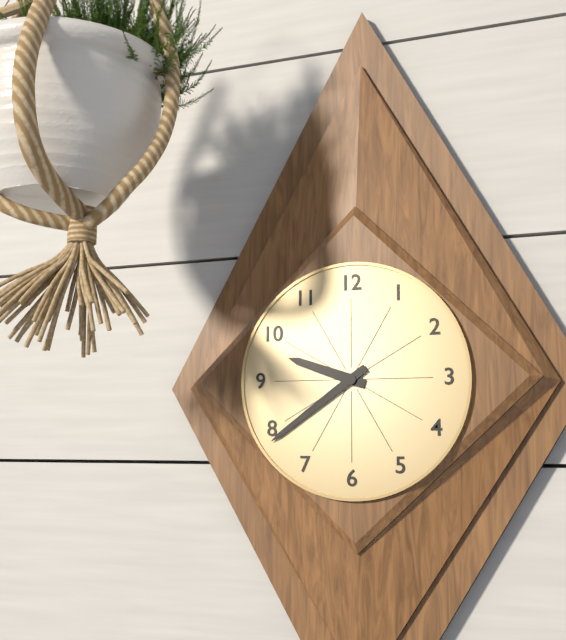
9:39
